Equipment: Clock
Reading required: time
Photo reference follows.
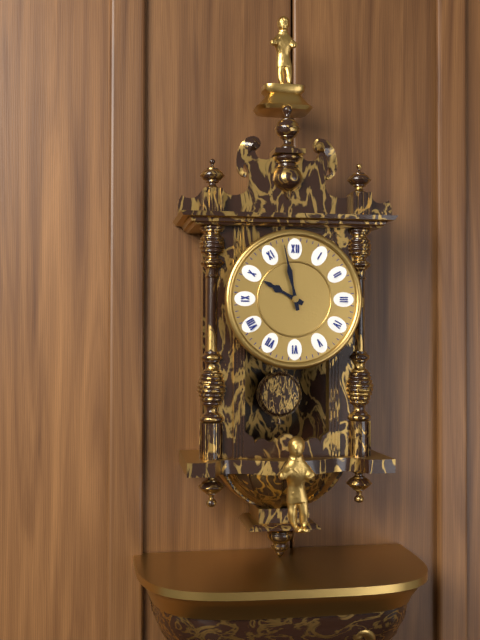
9:58
